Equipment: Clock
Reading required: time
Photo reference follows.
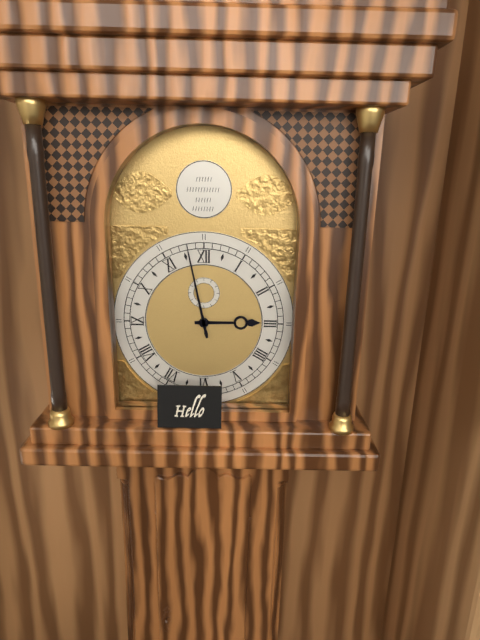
2:58
